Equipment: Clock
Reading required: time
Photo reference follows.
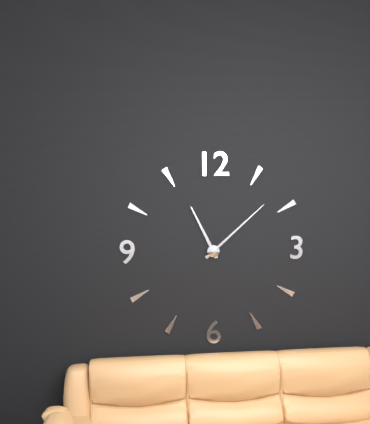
11:08
